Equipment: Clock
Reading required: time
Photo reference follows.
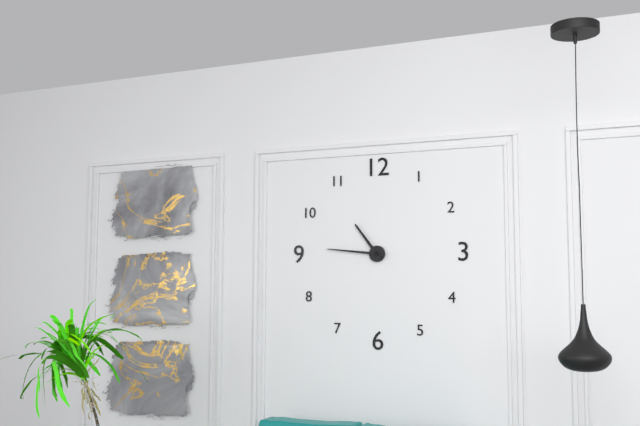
10:46
